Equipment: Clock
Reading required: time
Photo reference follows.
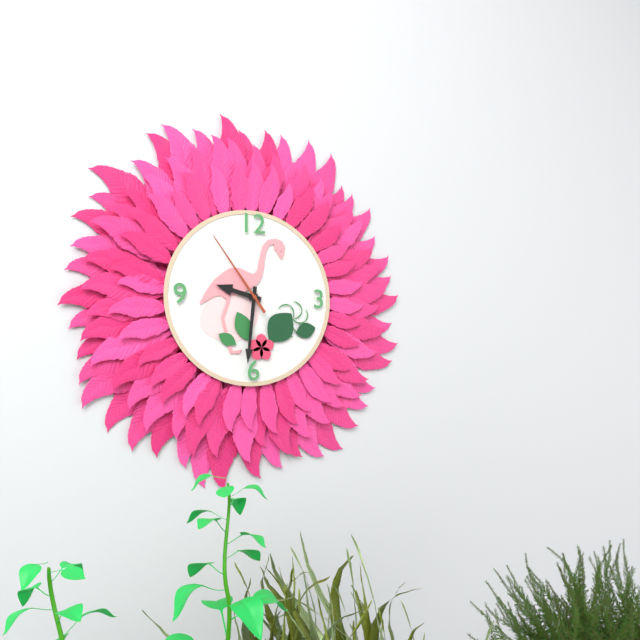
9:31:54
